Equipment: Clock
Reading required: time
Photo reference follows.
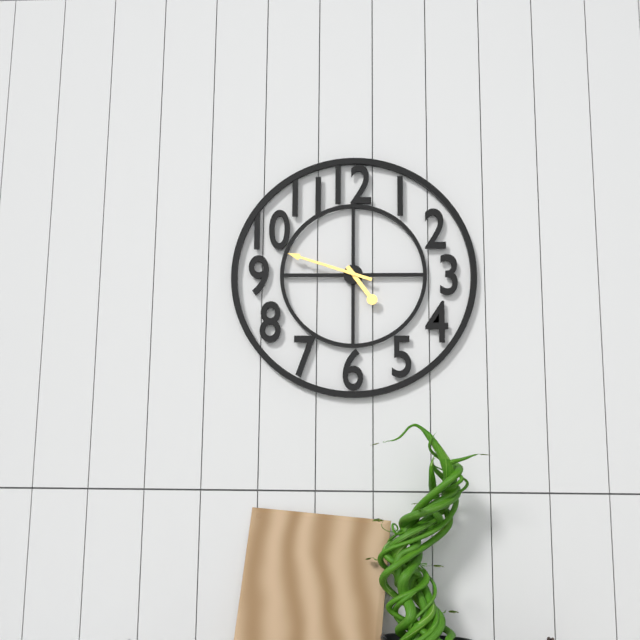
4:48
